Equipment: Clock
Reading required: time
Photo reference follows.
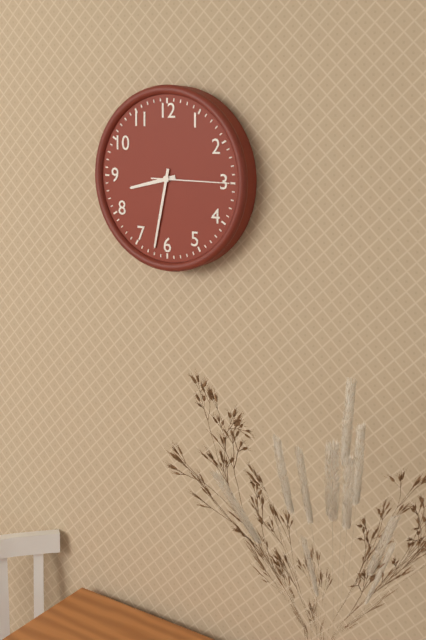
8:32:15
